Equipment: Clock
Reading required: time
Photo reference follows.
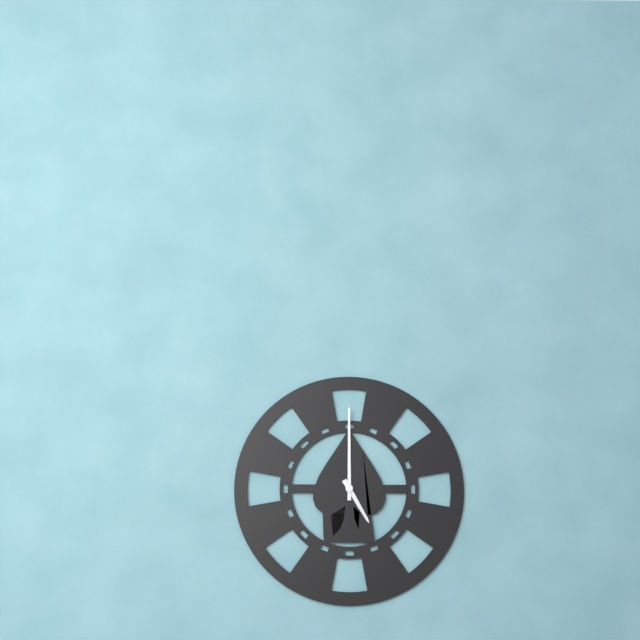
5:00
